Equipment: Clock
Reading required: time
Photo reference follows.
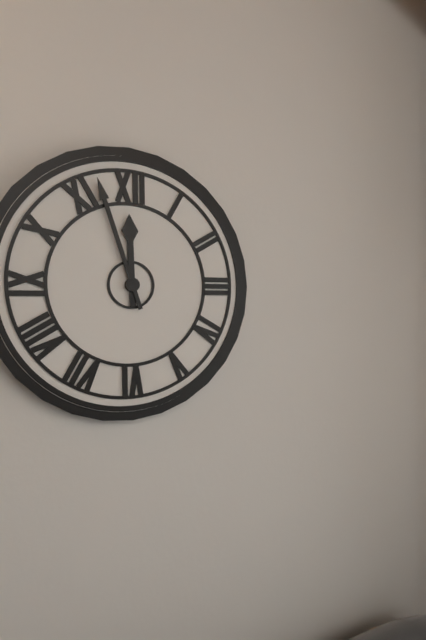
11:57
